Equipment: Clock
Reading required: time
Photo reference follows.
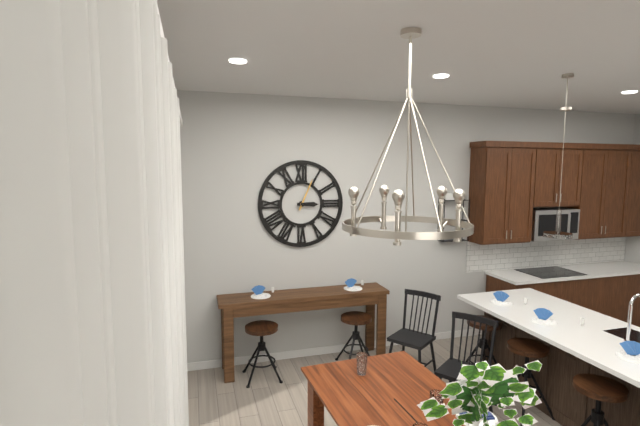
3:04
